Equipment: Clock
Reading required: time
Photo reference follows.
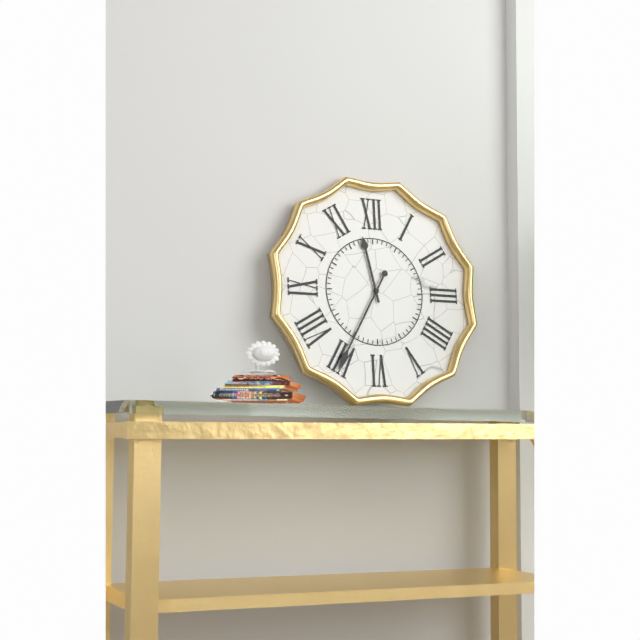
11:35
